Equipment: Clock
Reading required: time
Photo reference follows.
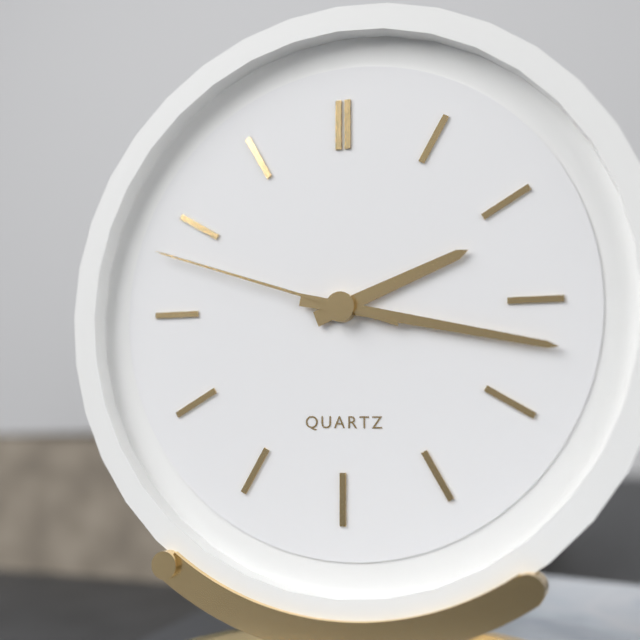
2:17:48
